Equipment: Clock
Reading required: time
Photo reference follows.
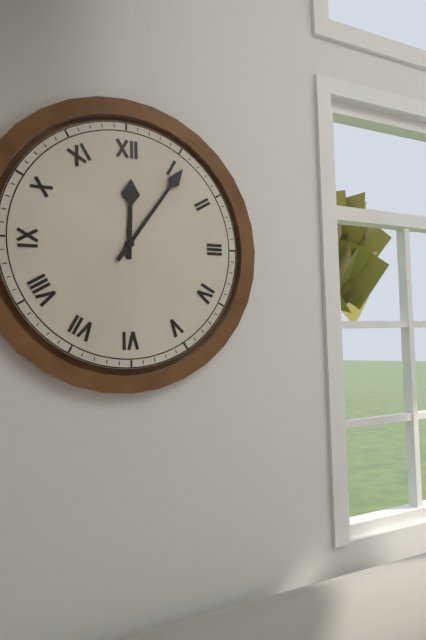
12:06
